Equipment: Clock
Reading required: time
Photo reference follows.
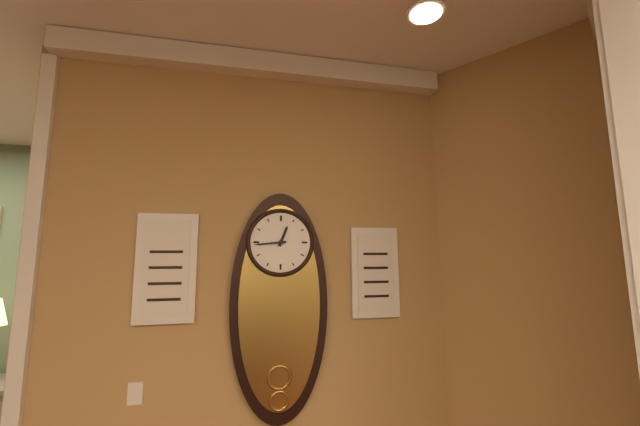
12:44
